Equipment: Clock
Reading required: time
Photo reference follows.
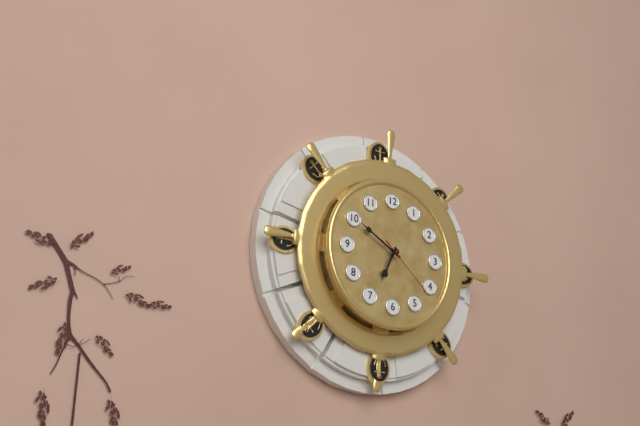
6:50:22
